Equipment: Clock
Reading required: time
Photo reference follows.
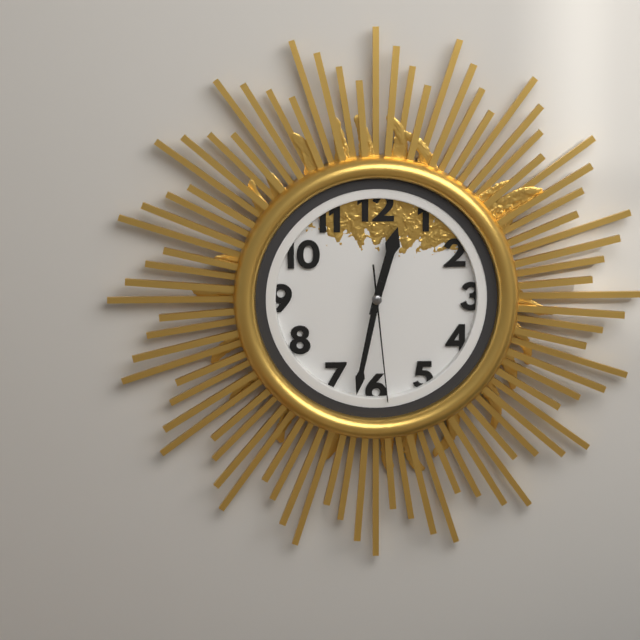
12:32:29
